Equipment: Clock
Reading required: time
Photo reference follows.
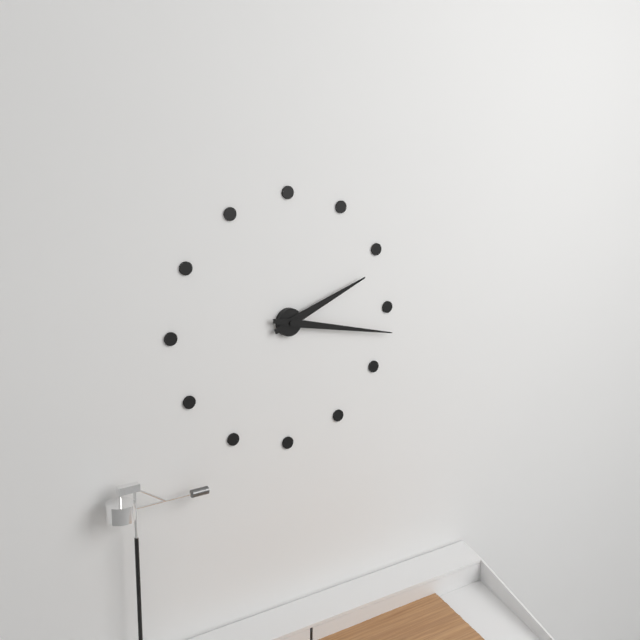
2:17
